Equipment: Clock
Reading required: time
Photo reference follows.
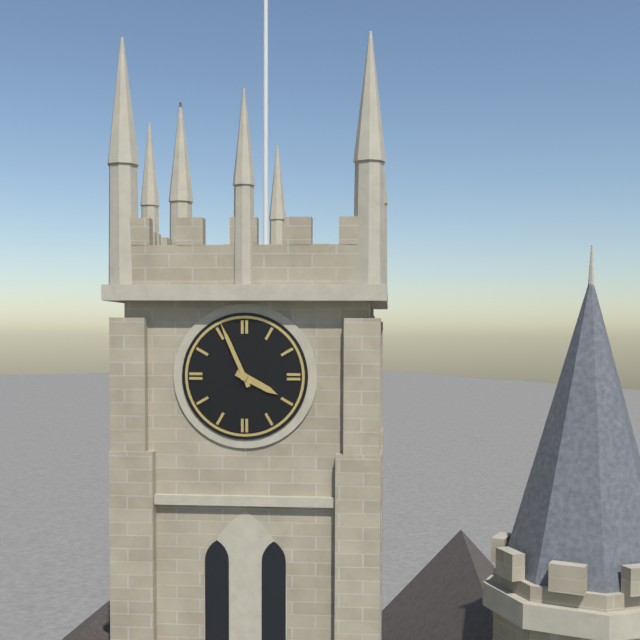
3:56
